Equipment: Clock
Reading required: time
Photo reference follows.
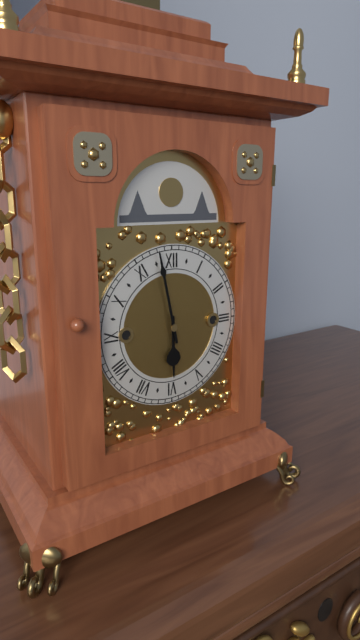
5:58
